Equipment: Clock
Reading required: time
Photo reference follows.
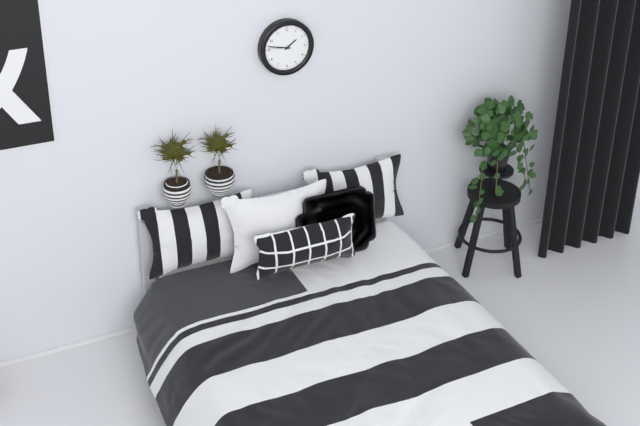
1:47
